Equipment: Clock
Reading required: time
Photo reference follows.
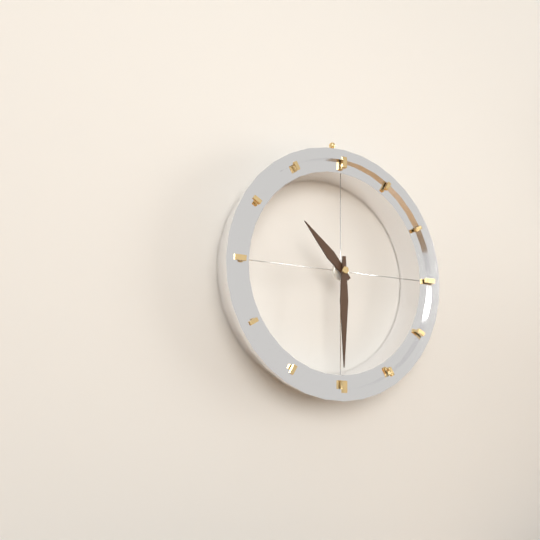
10:30
